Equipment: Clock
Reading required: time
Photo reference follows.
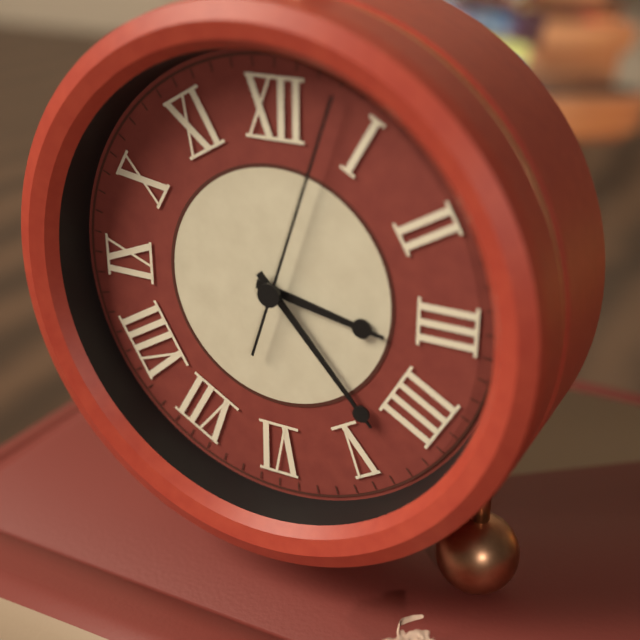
3:23:03
